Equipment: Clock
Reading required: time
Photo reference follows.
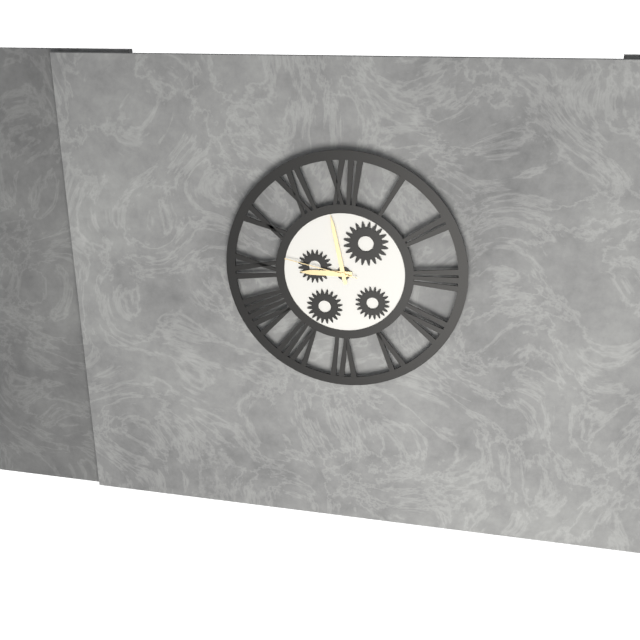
8:58:47
